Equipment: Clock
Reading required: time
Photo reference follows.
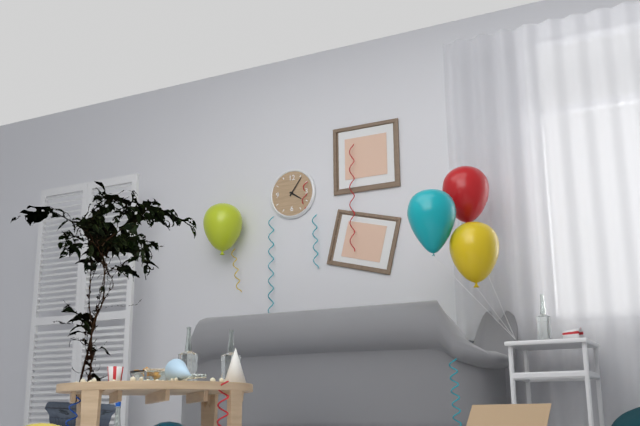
4:06
